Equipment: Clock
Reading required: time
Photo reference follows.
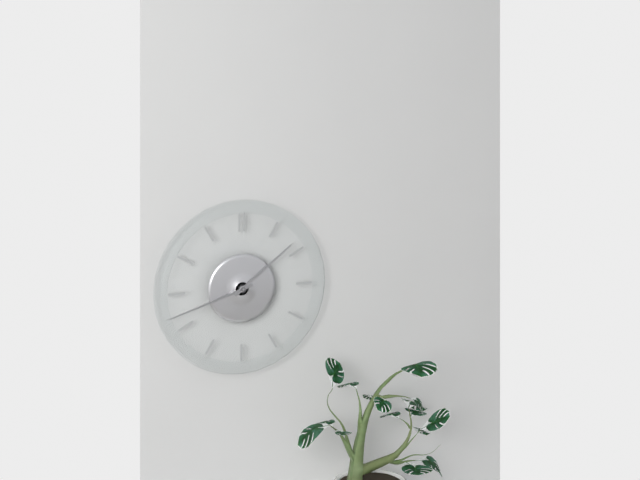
1:42
